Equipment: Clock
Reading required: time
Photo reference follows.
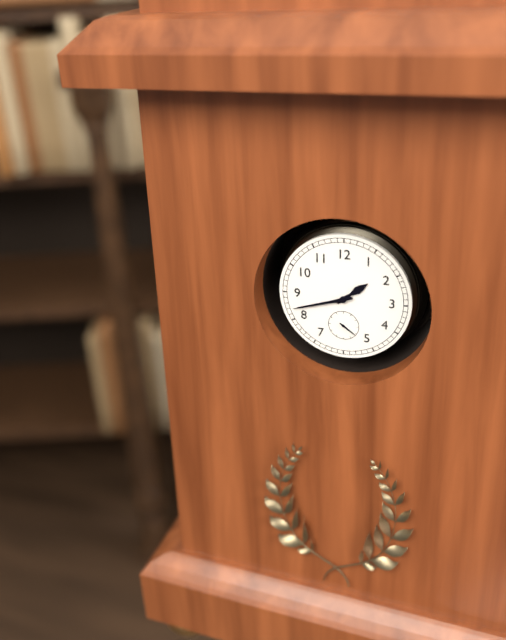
1:42
